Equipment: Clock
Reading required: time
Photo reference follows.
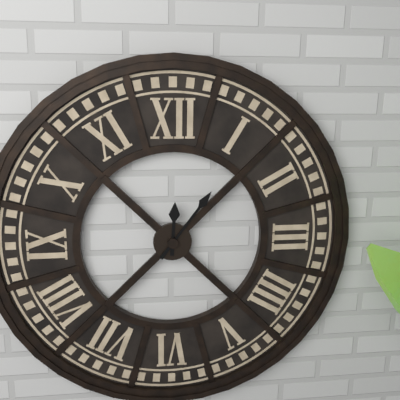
12:06
